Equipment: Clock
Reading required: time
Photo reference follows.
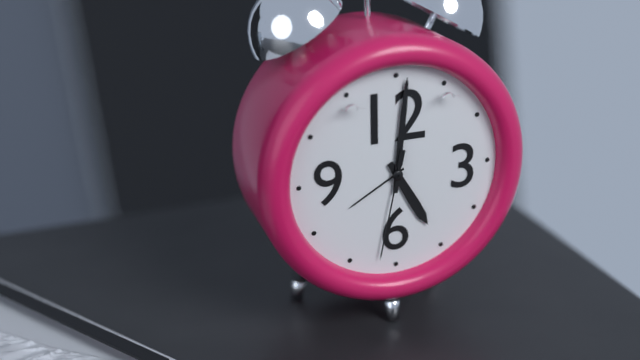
5:01:32
